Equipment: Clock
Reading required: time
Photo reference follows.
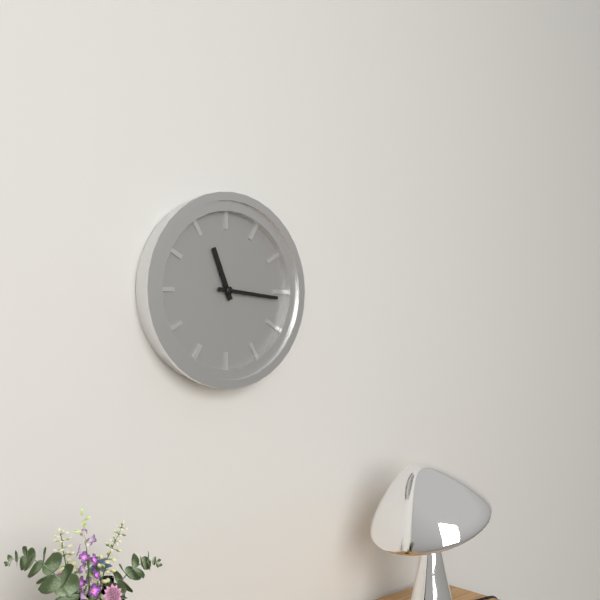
11:16
